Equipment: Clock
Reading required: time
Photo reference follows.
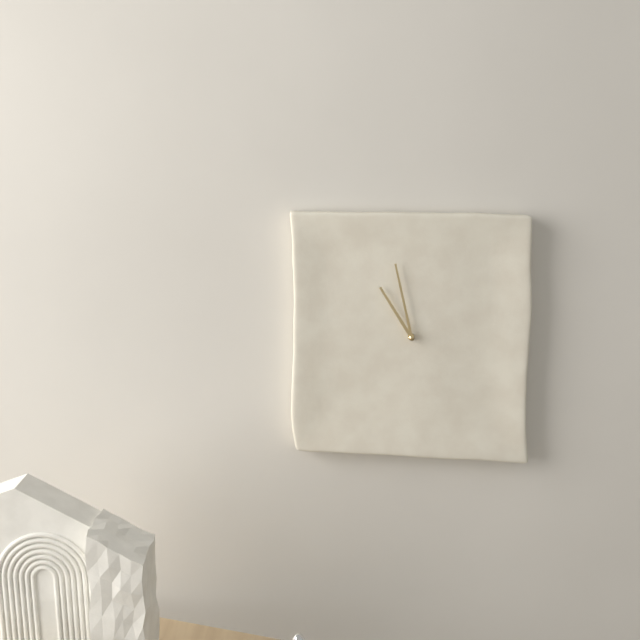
10:58
